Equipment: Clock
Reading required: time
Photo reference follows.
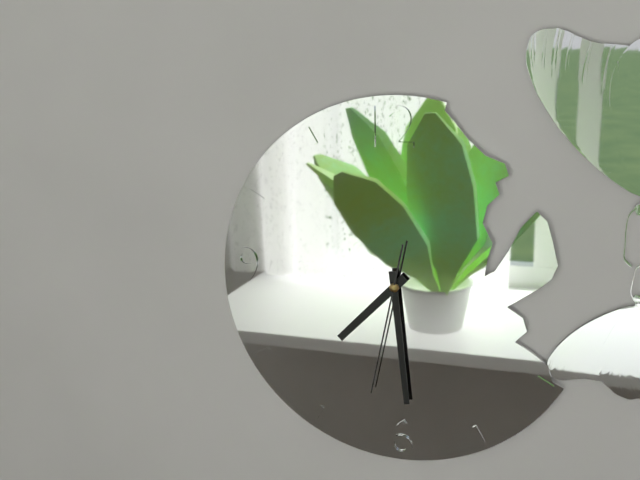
7:29:32
